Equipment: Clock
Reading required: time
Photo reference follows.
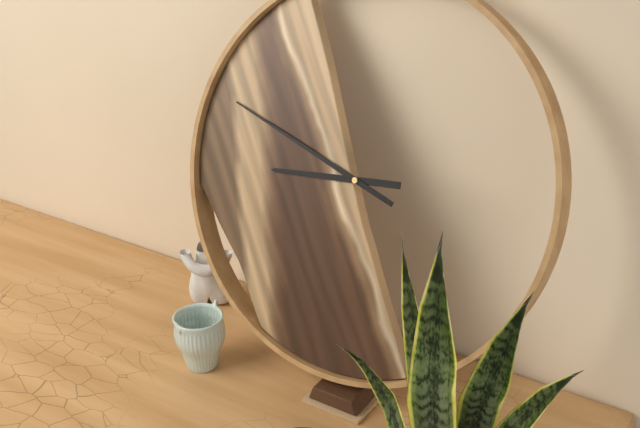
8:48
